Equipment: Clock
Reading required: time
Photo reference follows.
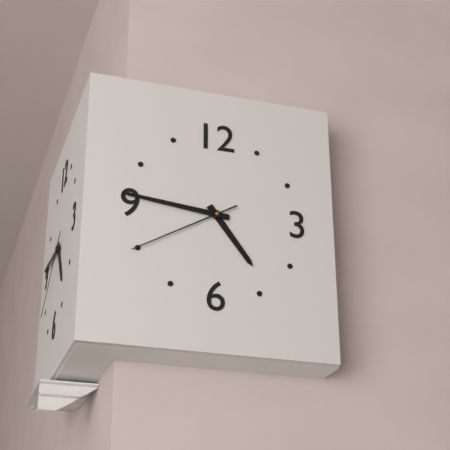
4:46:40
